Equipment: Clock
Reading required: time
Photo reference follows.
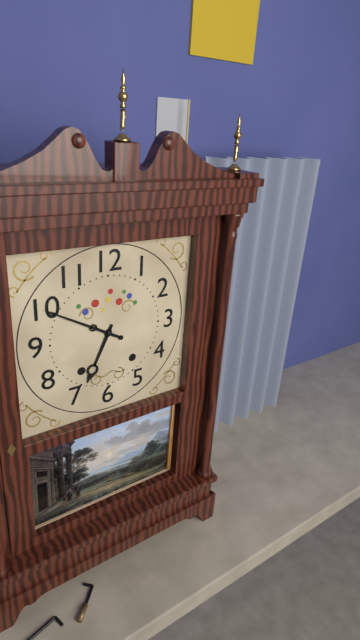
6:50
